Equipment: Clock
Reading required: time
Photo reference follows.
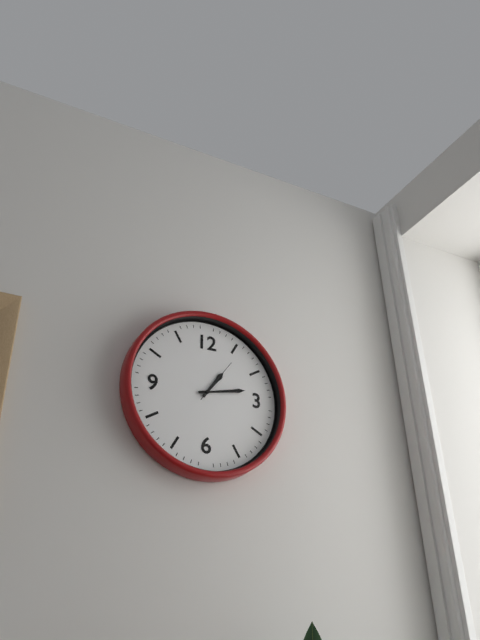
1:13
